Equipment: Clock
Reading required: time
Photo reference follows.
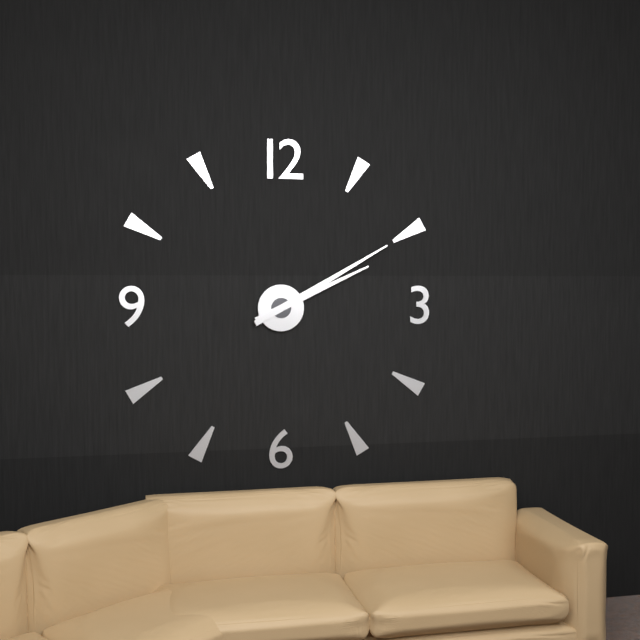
2:10
